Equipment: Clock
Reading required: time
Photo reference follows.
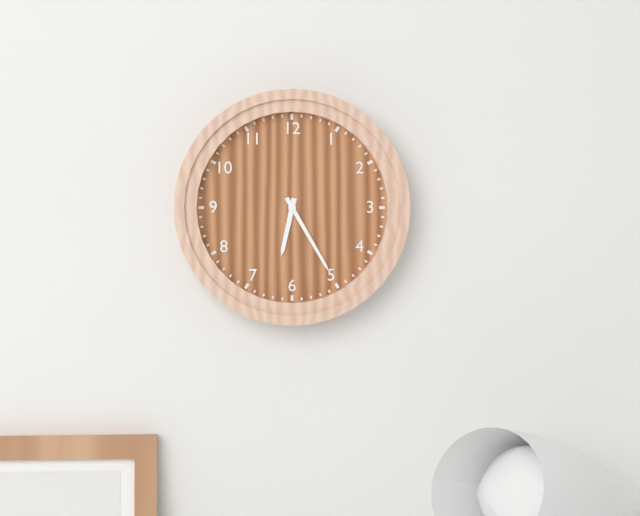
6:25
